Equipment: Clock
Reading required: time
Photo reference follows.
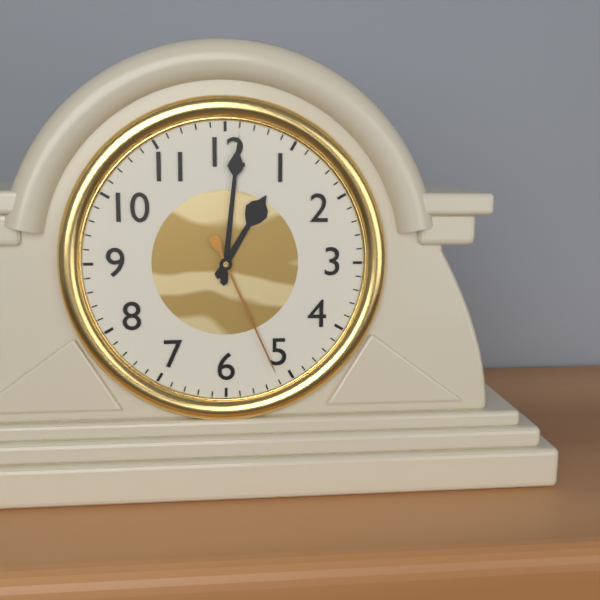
1:01:26
